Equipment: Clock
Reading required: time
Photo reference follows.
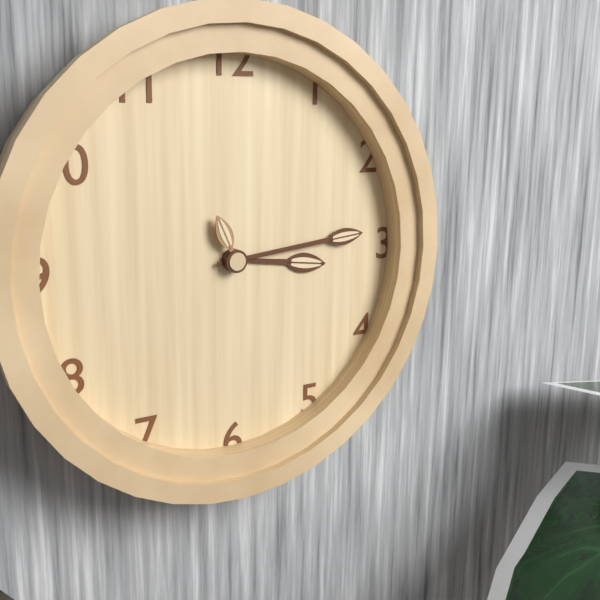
3:14:56
